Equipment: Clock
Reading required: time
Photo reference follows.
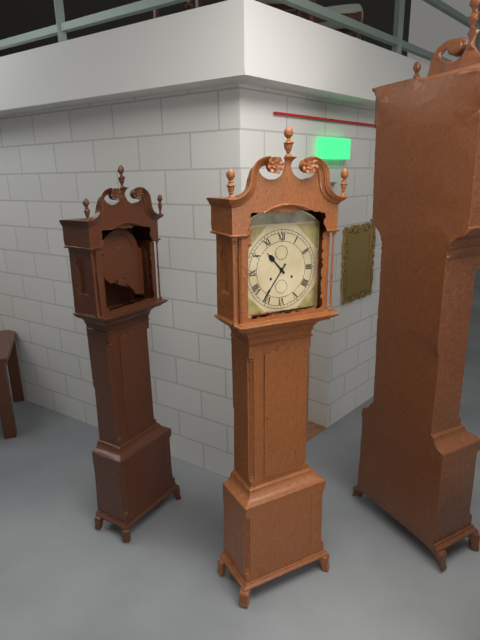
10:36
